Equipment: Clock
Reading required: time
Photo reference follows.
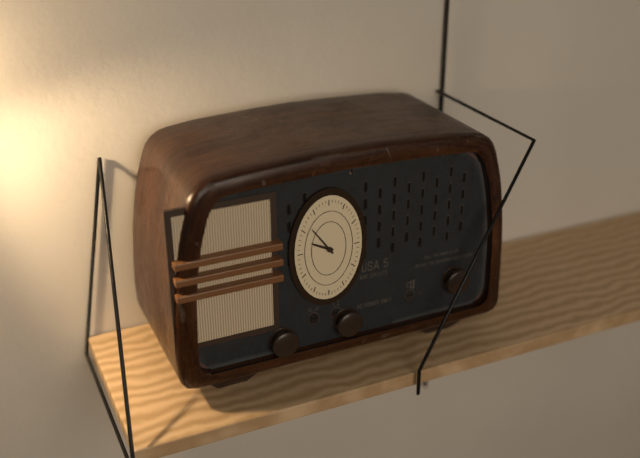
9:54
